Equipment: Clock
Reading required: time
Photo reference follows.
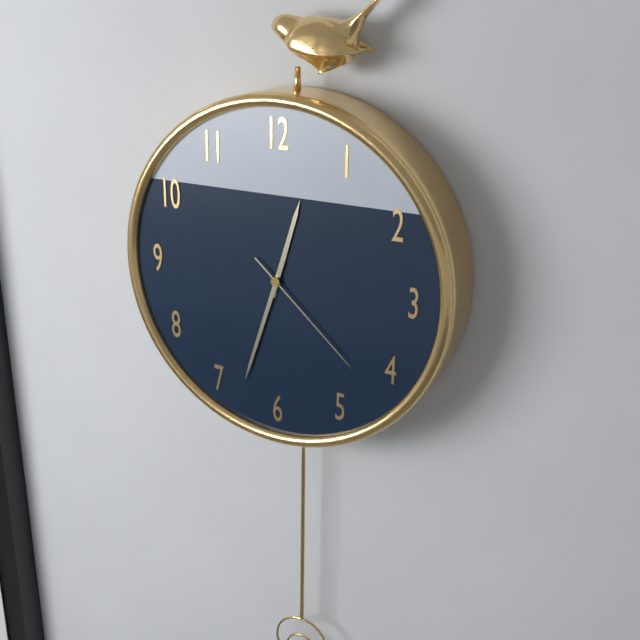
12:33:22
